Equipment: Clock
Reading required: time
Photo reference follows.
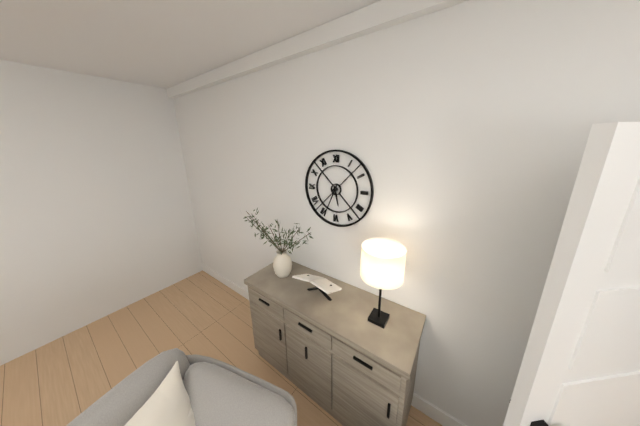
5:34
